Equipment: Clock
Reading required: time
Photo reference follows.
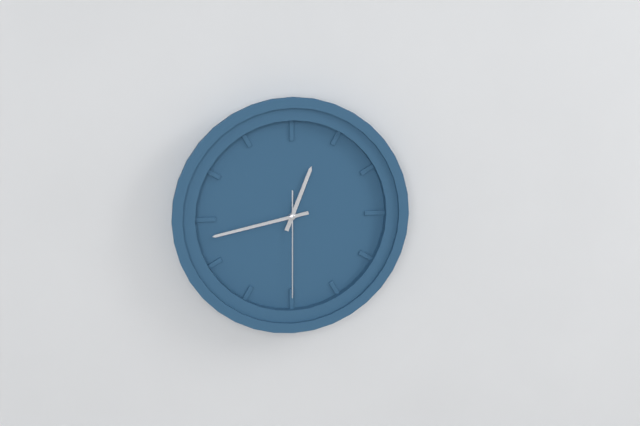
12:43:30
